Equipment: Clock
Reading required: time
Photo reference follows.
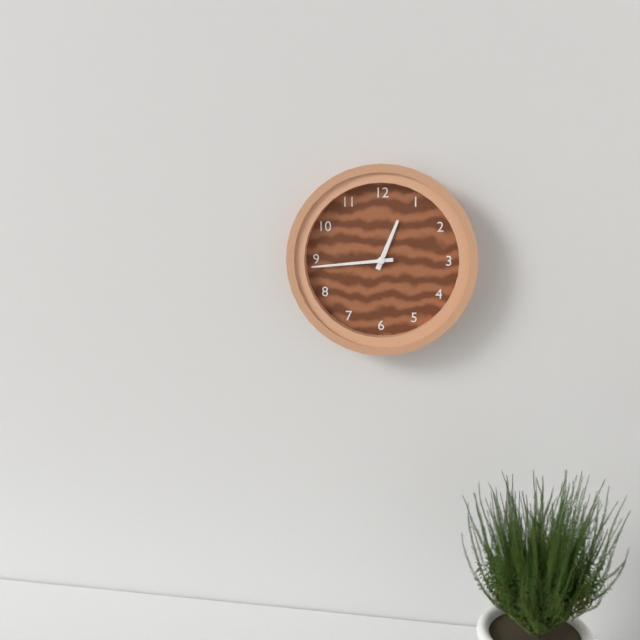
12:44
